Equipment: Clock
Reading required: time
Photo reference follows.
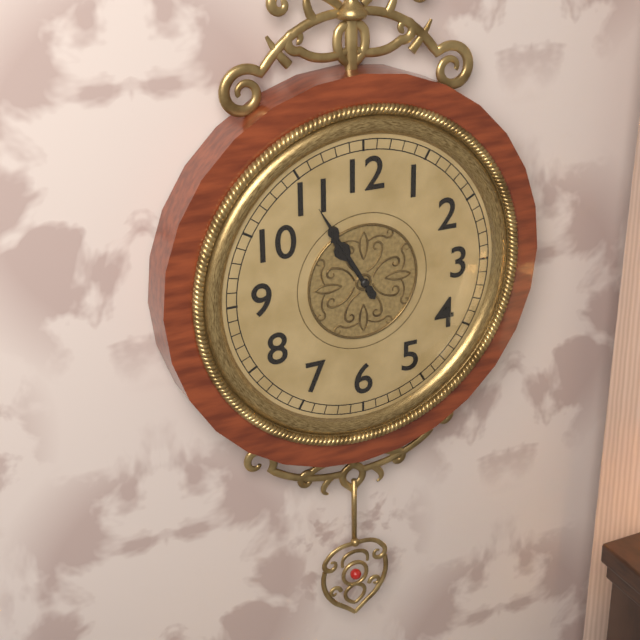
10:55
